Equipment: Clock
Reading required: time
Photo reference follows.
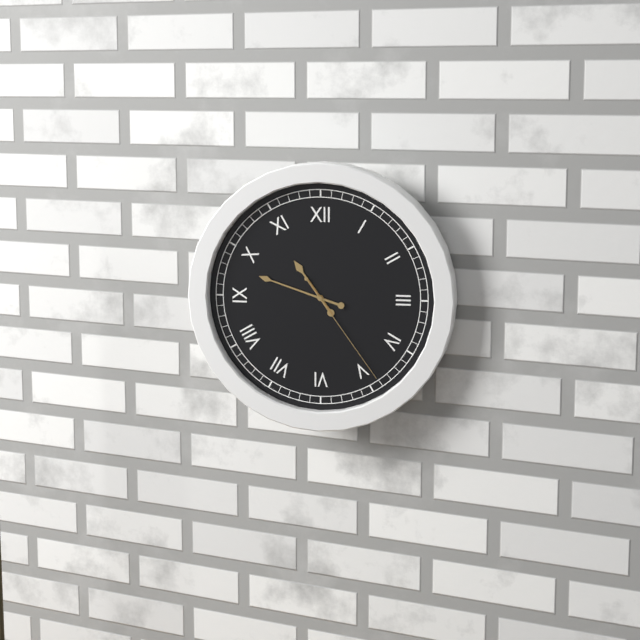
10:48:24
